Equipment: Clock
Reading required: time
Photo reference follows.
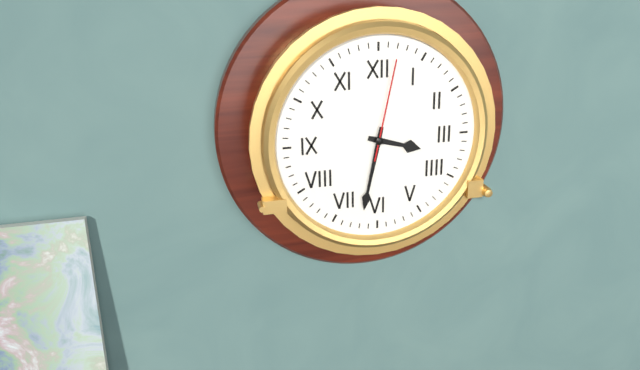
3:32:02
